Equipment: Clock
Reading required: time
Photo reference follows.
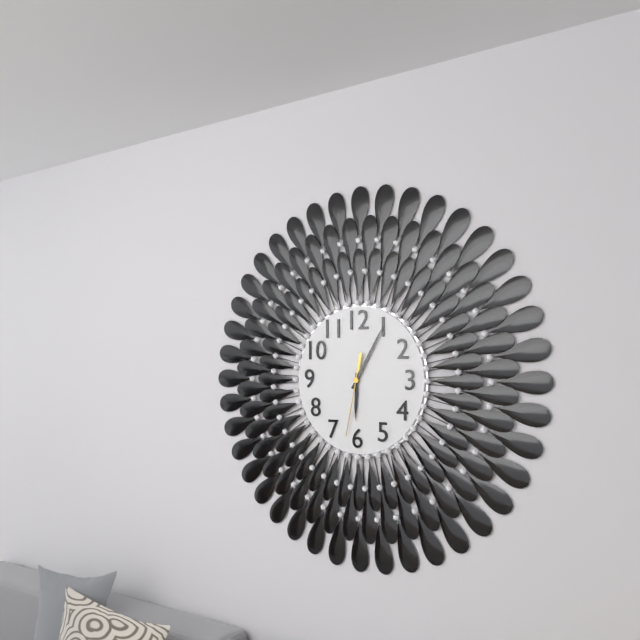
6:05:32
